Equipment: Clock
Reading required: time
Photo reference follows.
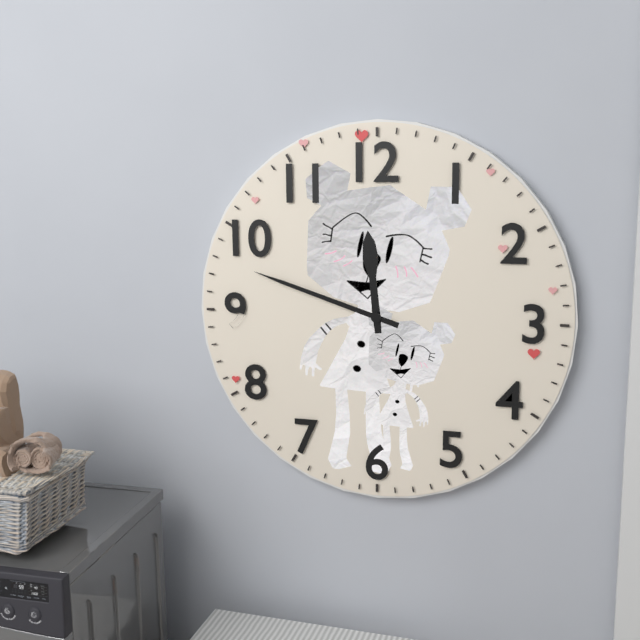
11:48
